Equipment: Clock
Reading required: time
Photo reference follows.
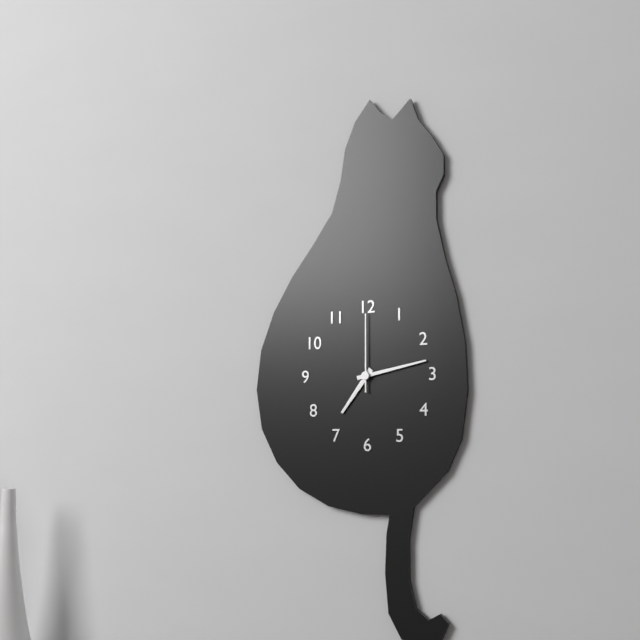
7:13:00
